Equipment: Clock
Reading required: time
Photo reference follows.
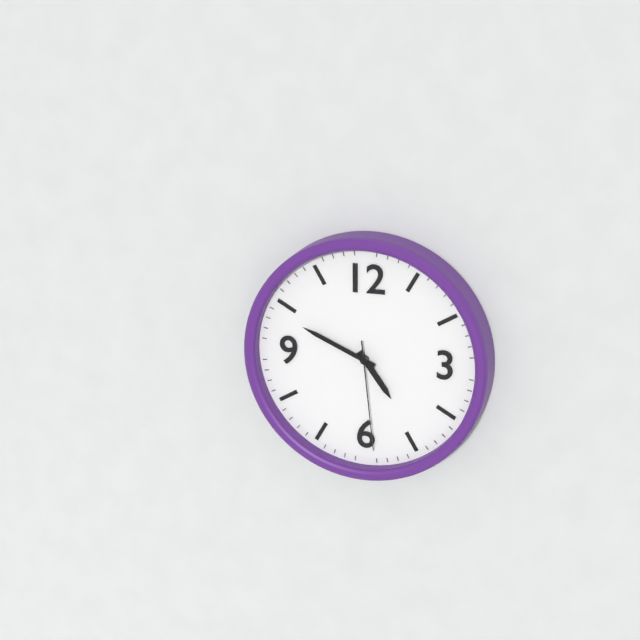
4:49:29
